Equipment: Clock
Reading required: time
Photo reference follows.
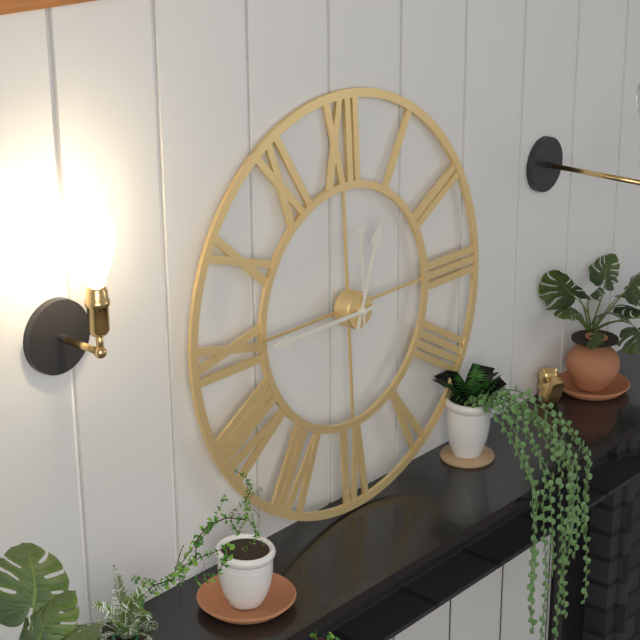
12:45:00
